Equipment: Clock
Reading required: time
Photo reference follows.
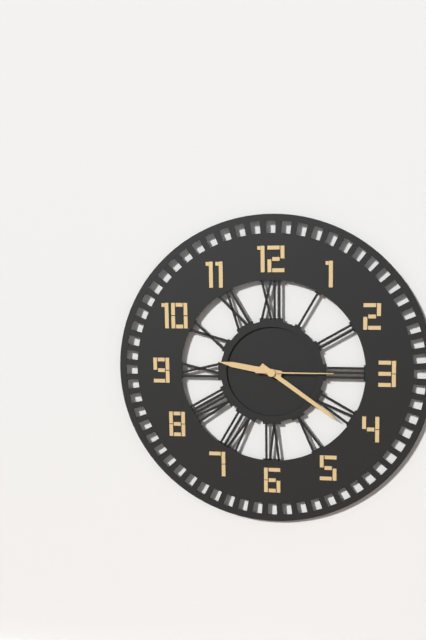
9:21:15
